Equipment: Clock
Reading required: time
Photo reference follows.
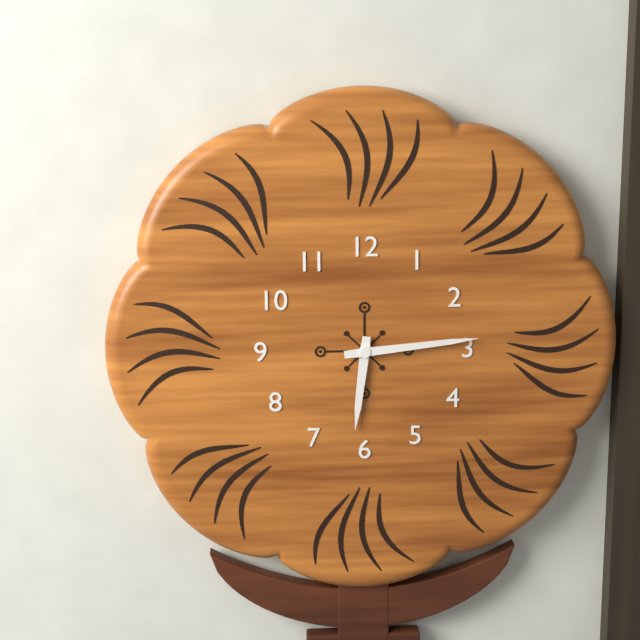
6:14
